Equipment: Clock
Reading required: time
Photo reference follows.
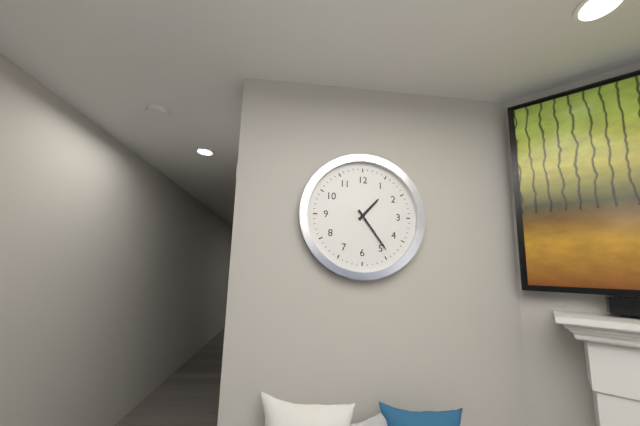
1:24
